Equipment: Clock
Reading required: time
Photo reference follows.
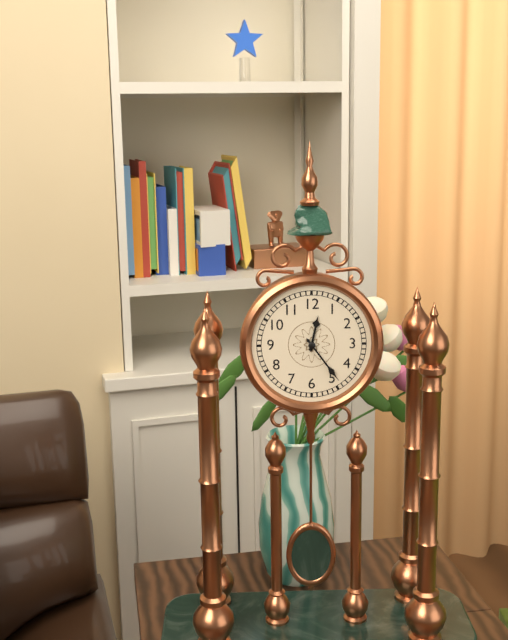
12:24
